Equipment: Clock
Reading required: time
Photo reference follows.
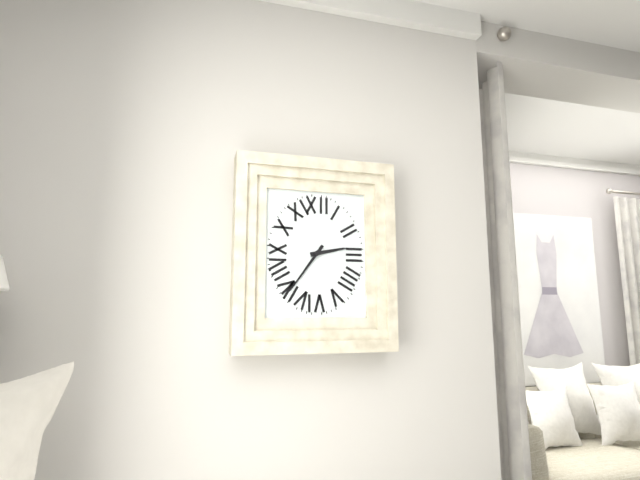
2:36
